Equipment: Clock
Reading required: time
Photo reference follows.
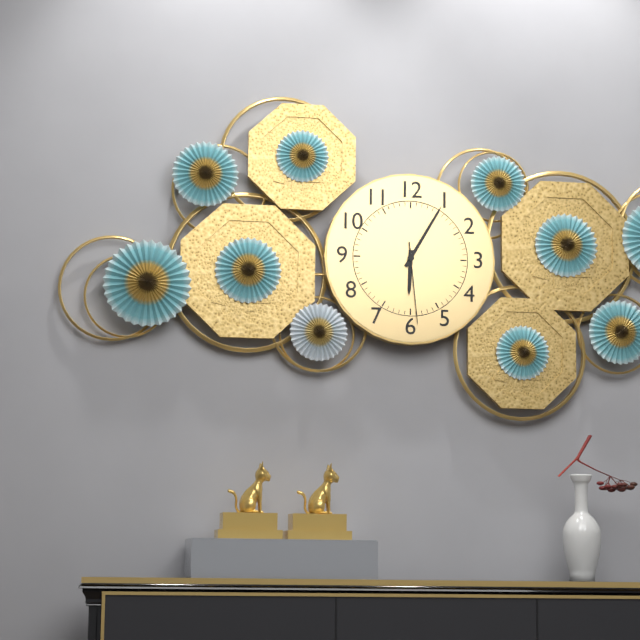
6:05:29
